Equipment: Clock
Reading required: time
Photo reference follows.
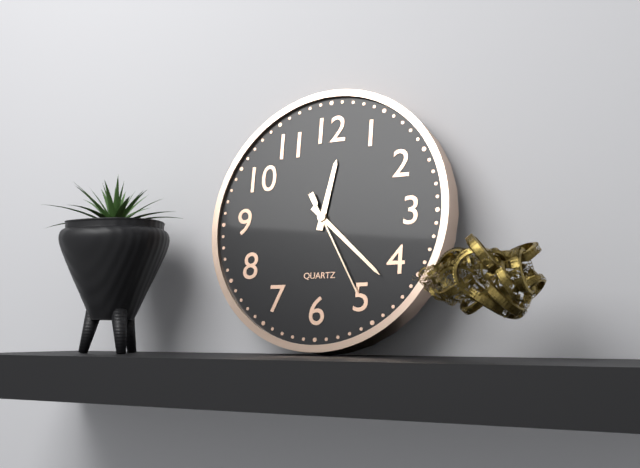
12:22:25
